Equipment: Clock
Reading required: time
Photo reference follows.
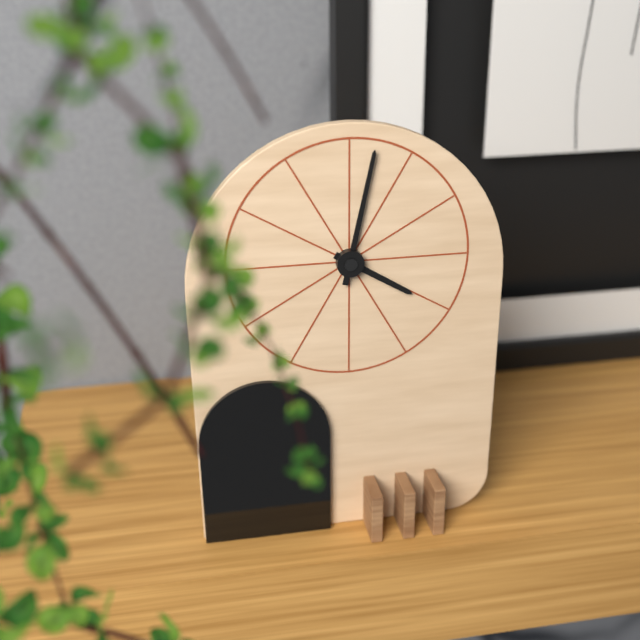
4:02
